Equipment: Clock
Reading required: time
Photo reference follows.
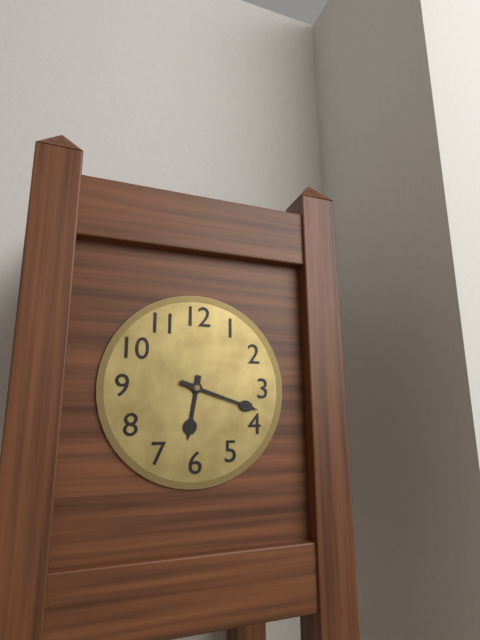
6:18
